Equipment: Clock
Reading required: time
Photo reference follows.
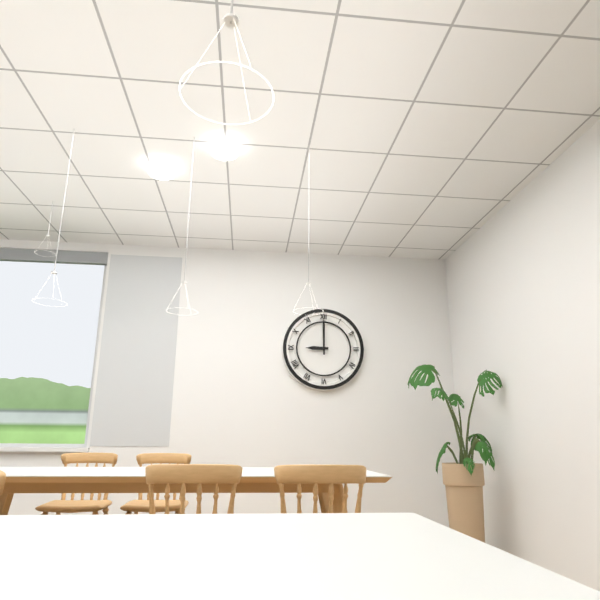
9:00
